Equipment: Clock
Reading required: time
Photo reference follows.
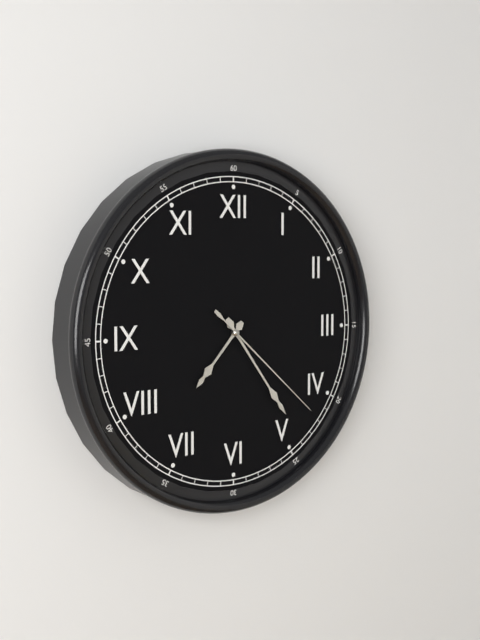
7:24:22
